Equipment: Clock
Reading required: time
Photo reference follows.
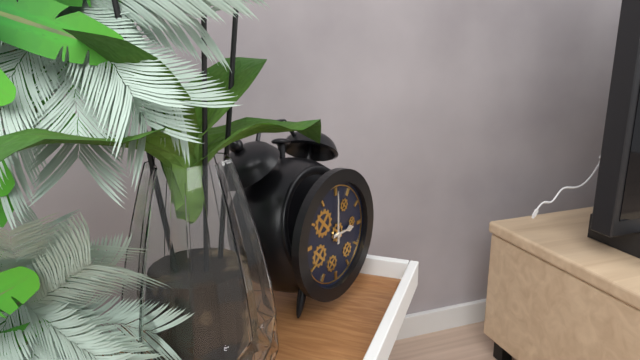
3:00
